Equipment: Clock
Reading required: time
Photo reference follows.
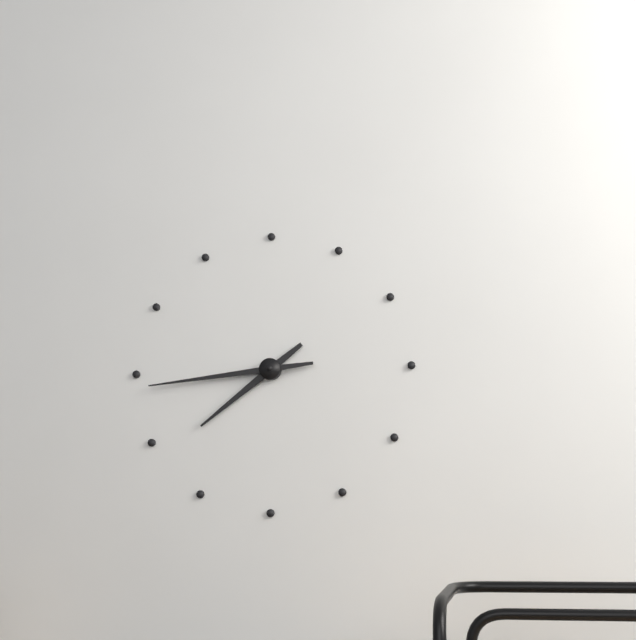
7:44
